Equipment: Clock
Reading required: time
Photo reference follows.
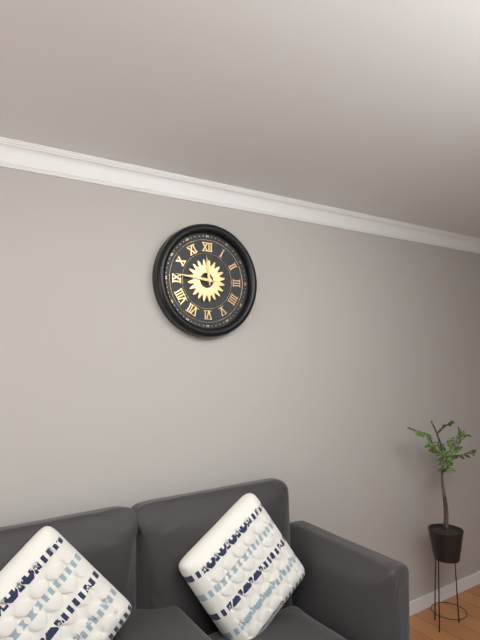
11:46
